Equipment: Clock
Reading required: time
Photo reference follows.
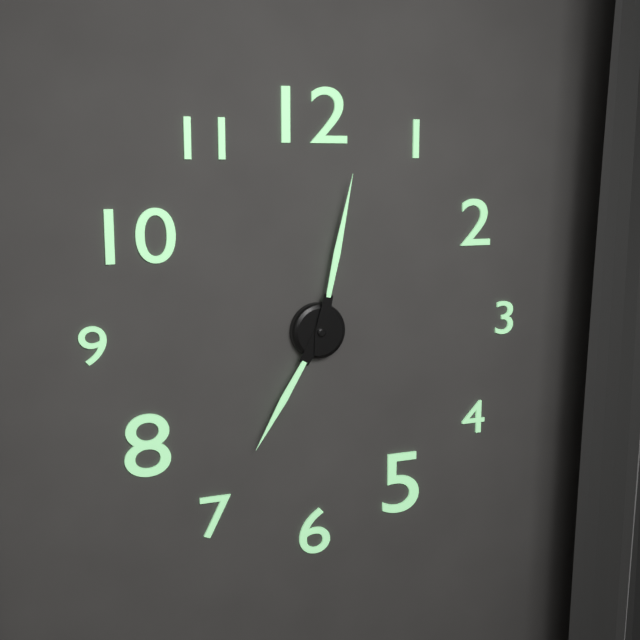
7:02
